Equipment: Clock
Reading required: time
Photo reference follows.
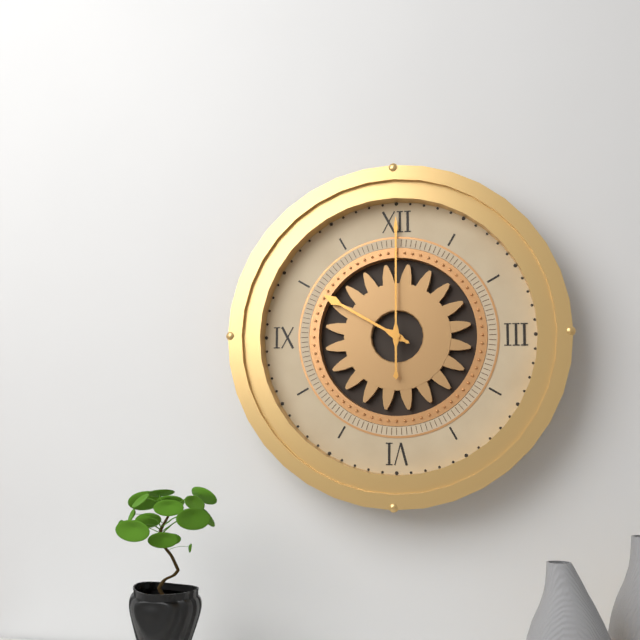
10:00
